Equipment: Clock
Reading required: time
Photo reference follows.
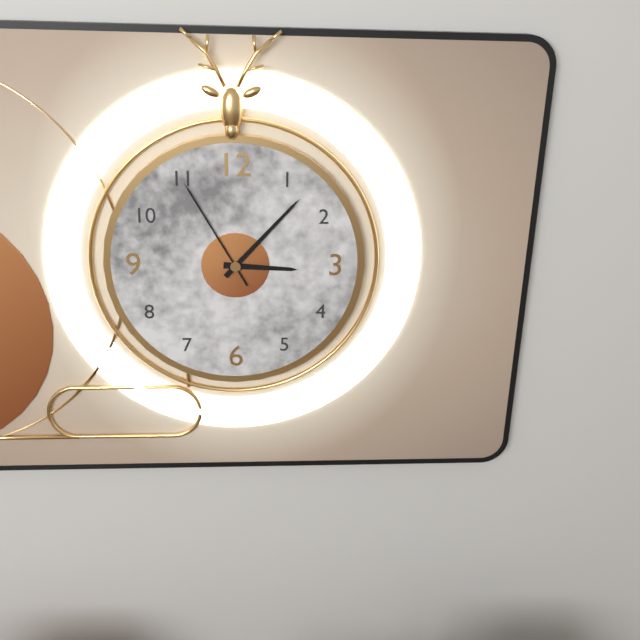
3:07:55
